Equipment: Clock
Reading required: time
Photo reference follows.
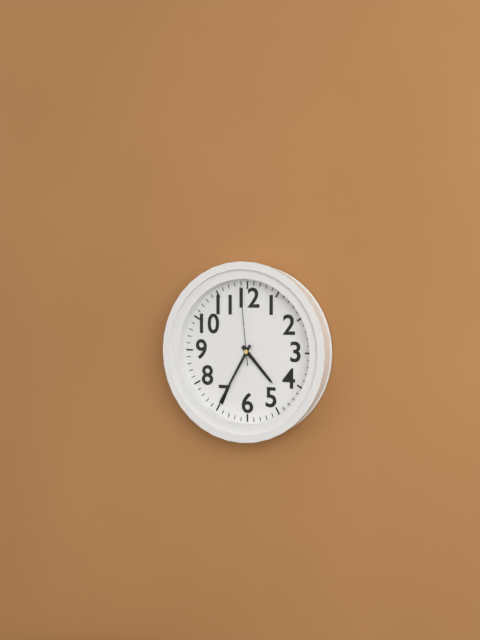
4:35:59
